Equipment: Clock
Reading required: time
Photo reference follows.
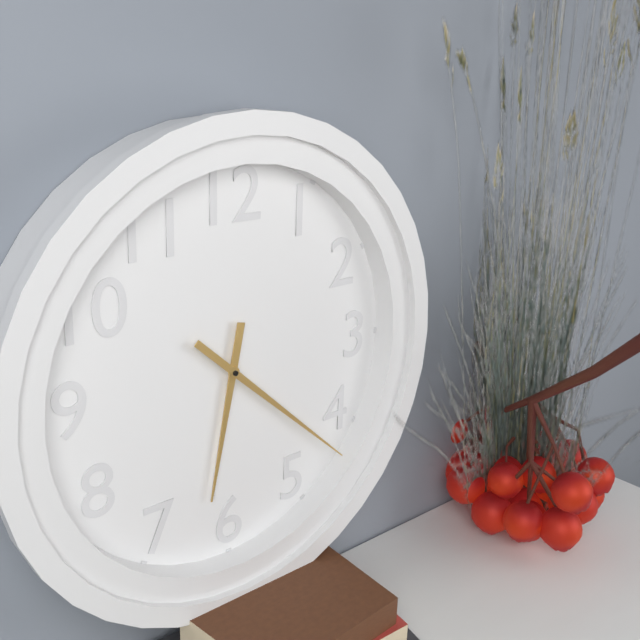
6:22
